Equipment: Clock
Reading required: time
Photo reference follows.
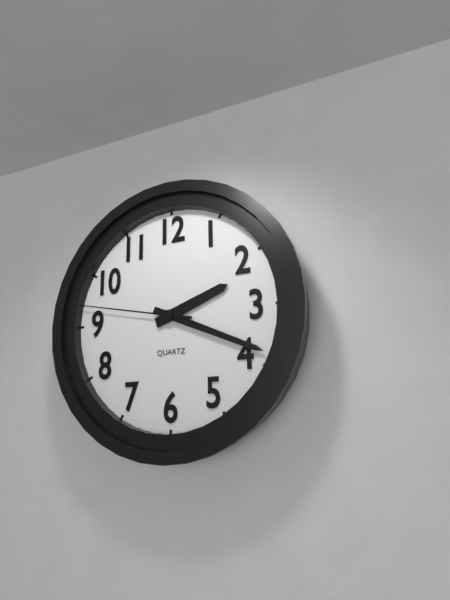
2:19:47
